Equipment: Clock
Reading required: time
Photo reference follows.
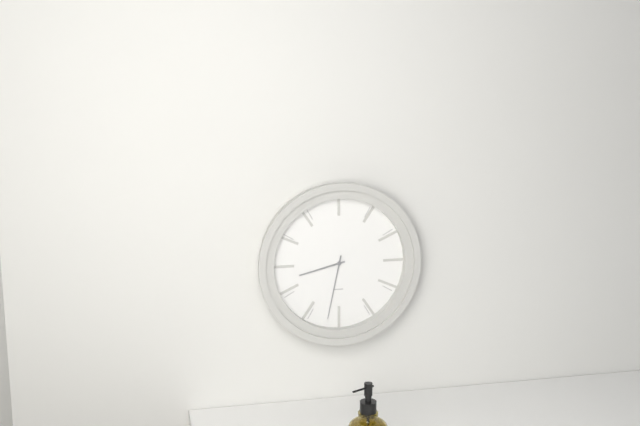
8:32
